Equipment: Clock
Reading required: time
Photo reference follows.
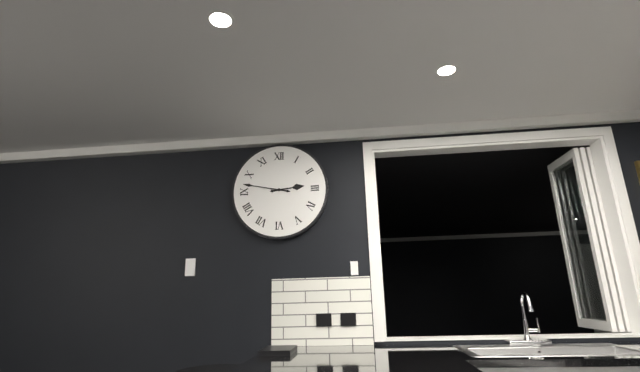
2:47
